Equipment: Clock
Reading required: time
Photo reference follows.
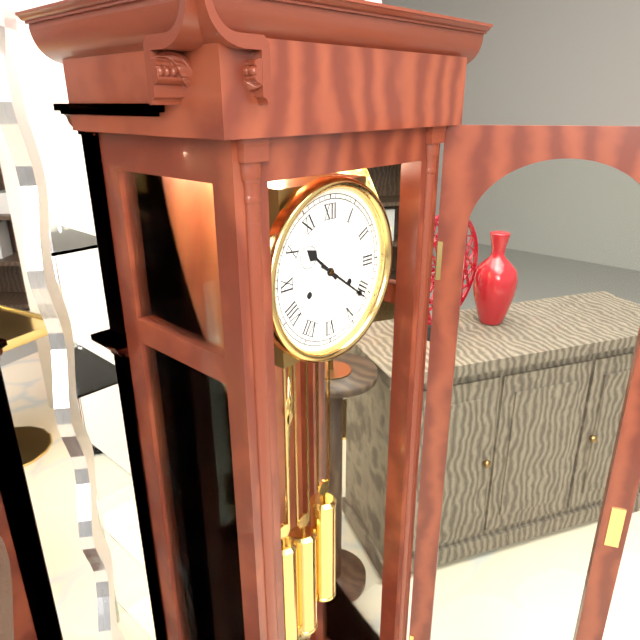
10:21
